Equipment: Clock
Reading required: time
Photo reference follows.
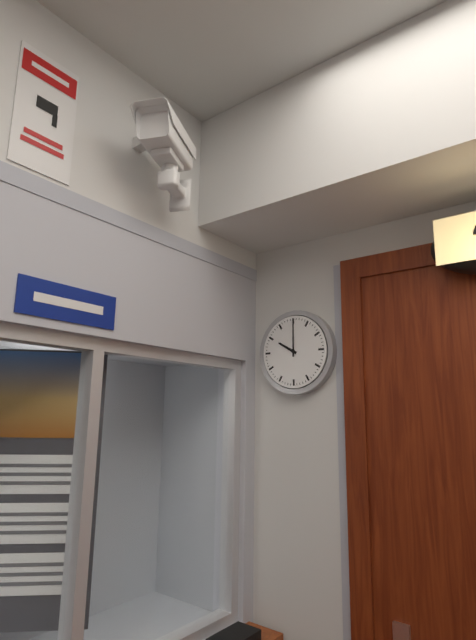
10:00
